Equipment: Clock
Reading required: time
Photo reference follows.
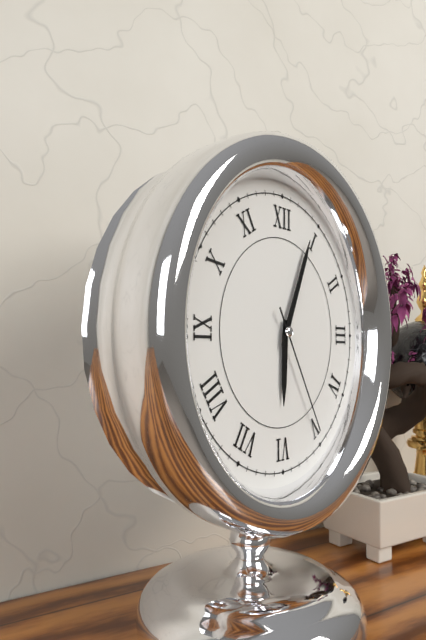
6:04:25
